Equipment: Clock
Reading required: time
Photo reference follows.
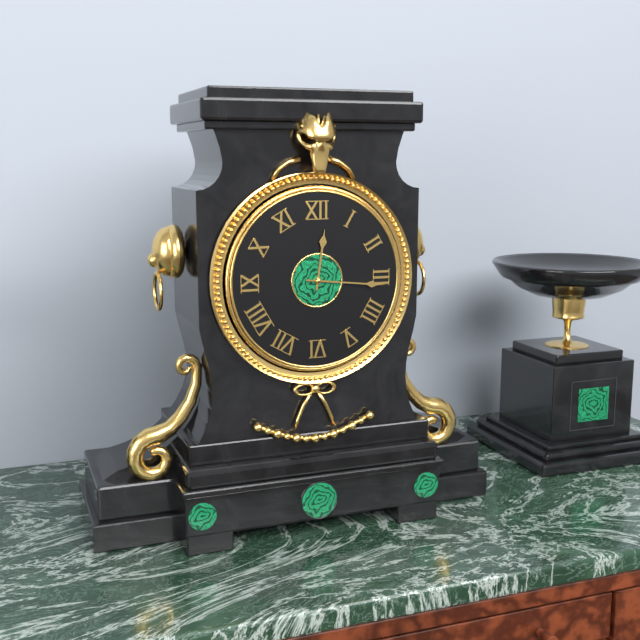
12:16
